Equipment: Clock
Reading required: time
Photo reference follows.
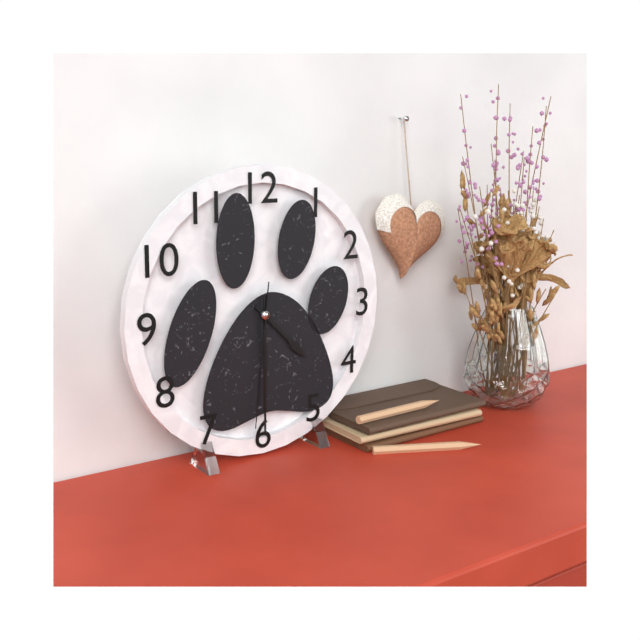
4:30:31
